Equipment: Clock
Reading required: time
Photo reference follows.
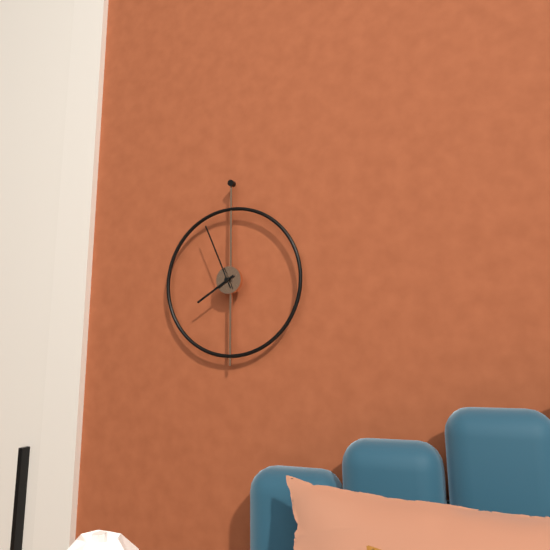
7:56
